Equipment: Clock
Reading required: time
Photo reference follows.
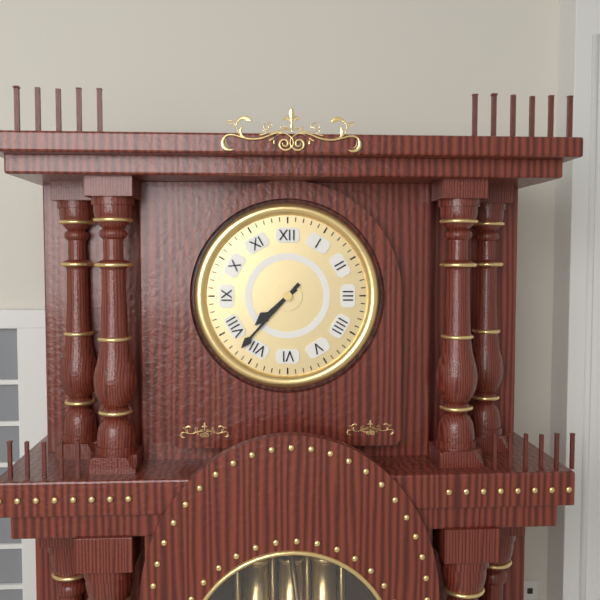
7:37
